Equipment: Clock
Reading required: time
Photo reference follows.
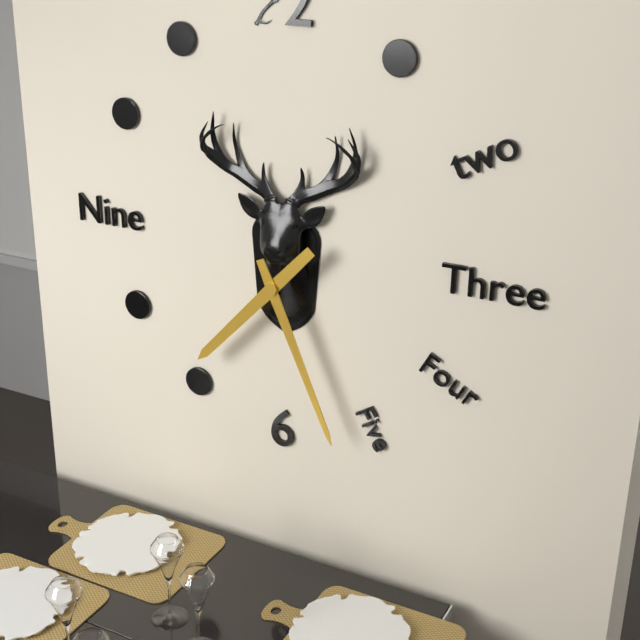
7:26
